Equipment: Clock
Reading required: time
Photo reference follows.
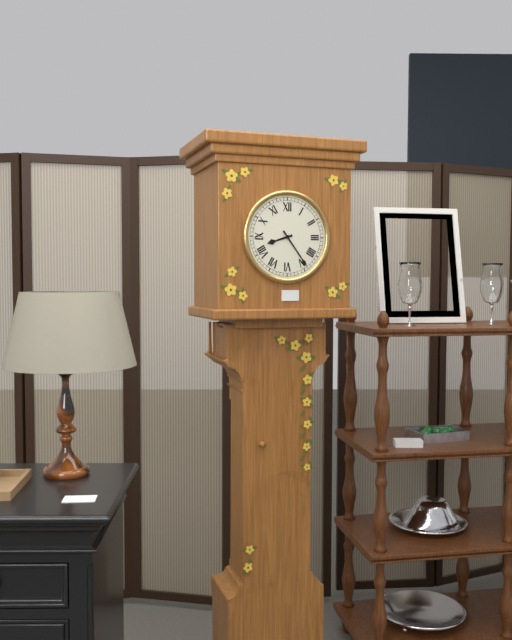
8:24
